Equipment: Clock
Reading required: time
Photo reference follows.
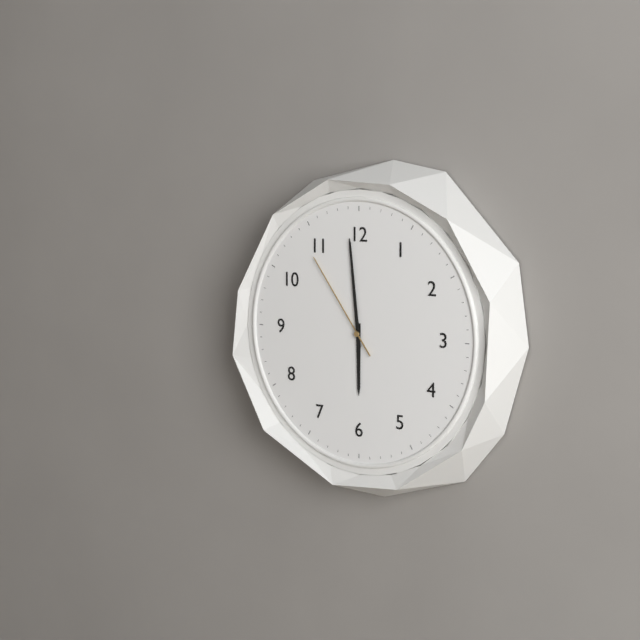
5:59:54
